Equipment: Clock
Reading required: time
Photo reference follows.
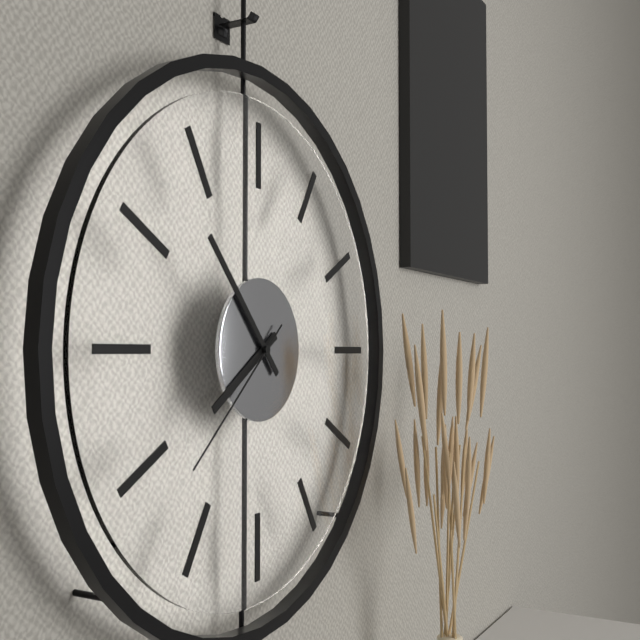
7:53:38
